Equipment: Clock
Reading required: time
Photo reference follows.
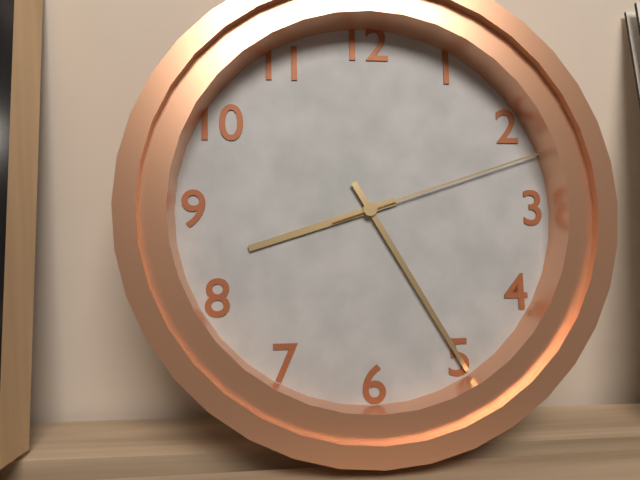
8:25:12
